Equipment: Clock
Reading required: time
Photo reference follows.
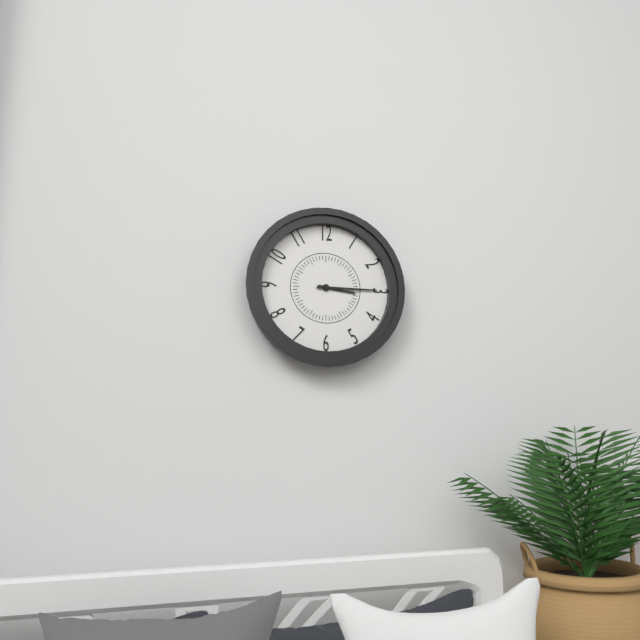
3:15
